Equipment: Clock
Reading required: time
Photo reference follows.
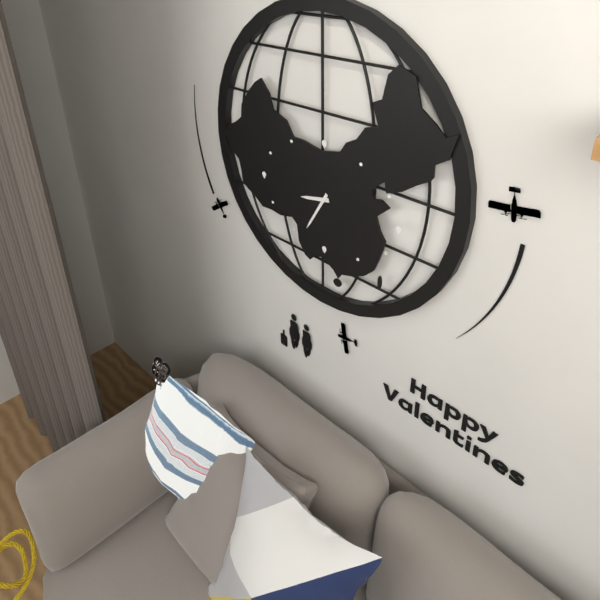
8:35
